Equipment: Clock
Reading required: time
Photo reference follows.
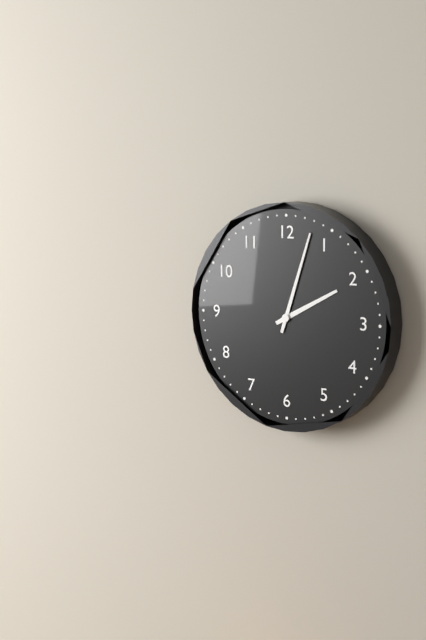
2:03
